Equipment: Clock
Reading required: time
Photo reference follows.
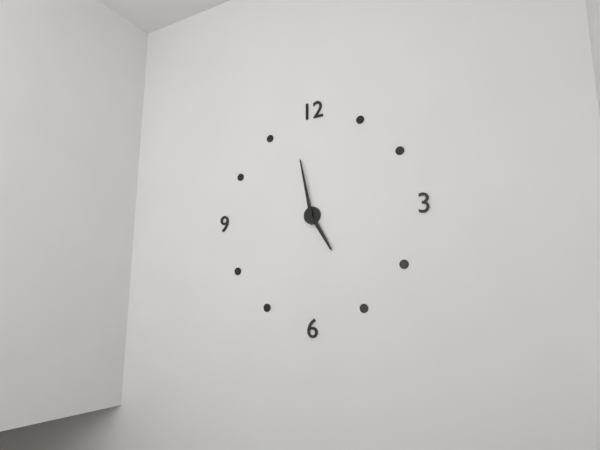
4:58
